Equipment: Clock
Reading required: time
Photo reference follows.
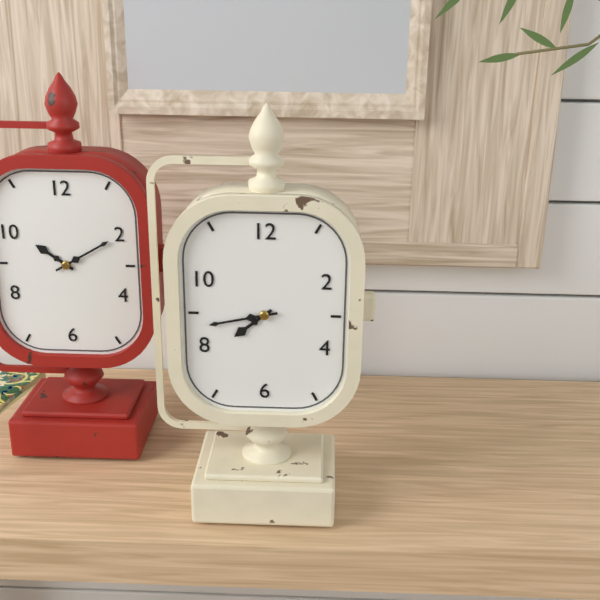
7:43
